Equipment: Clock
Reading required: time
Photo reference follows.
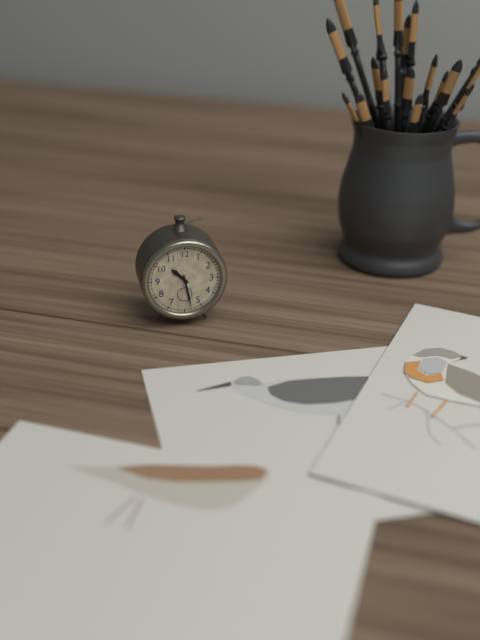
10:28
